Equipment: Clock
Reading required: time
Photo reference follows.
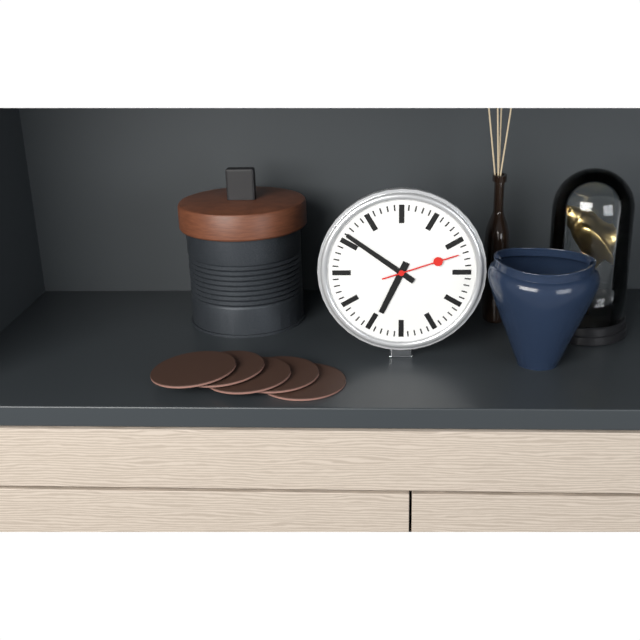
6:51:12
